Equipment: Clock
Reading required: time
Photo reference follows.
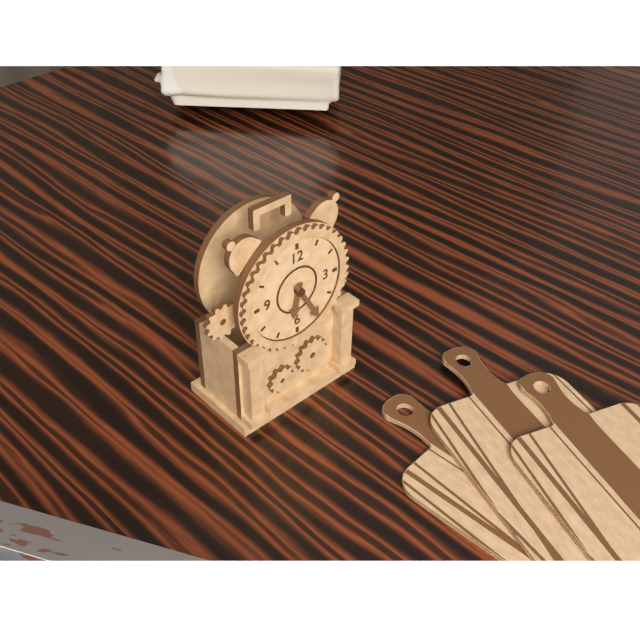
6:25
